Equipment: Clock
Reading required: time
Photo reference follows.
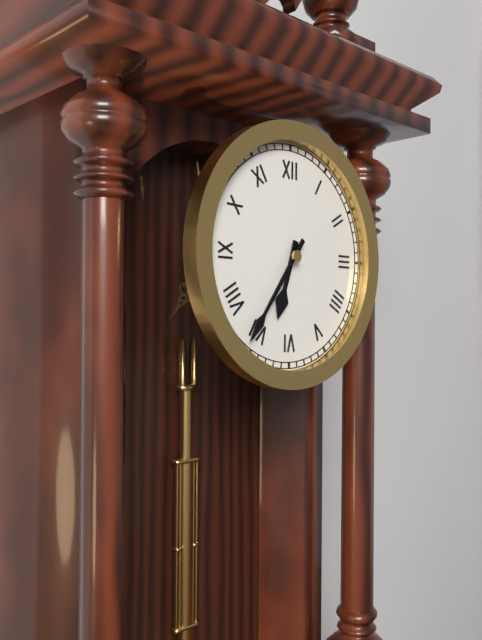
6:36
